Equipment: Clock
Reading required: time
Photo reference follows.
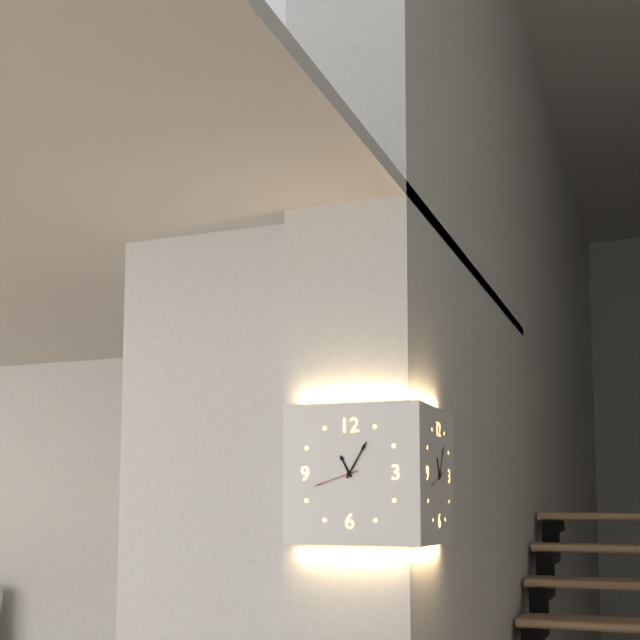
11:05
